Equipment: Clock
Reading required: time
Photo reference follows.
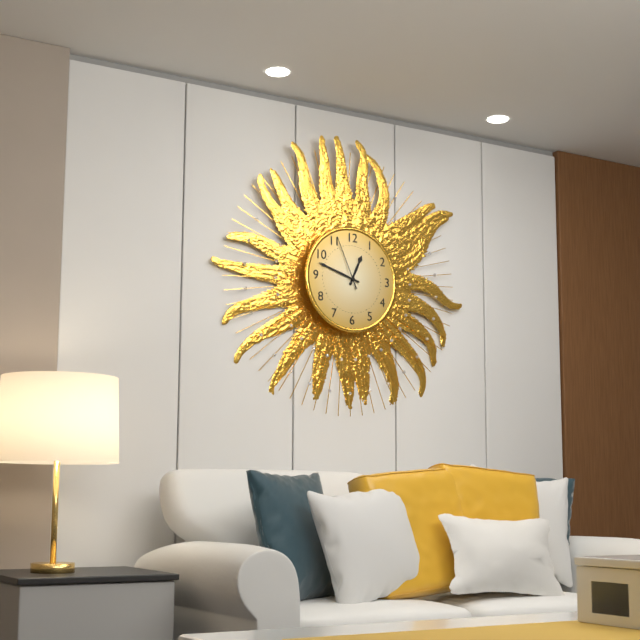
12:48:56
